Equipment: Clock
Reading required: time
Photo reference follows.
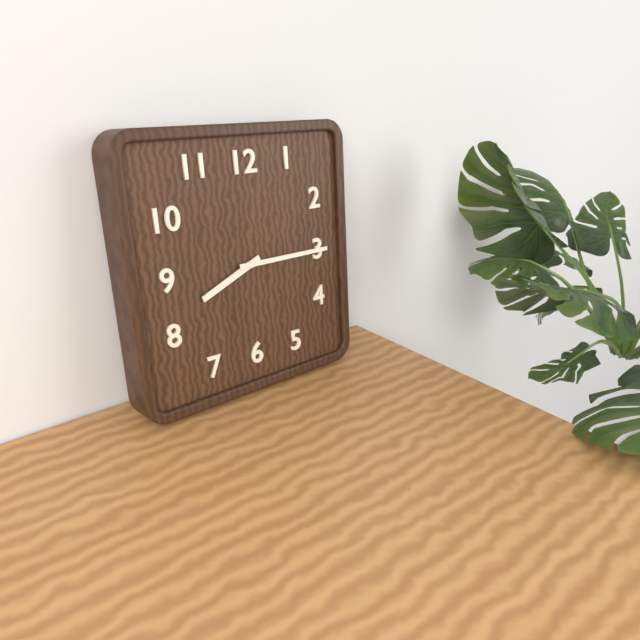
8:15
